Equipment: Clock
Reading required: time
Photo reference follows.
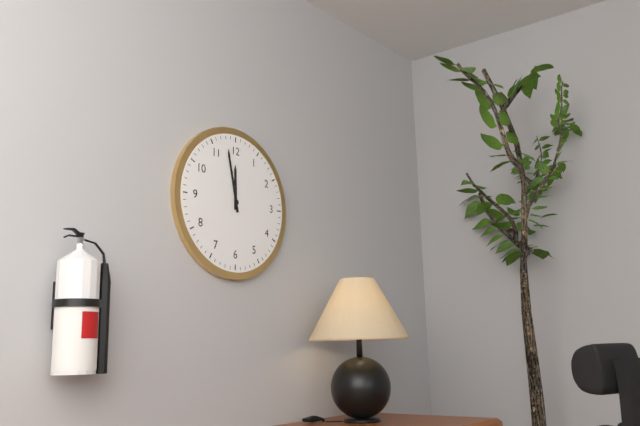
11:58
